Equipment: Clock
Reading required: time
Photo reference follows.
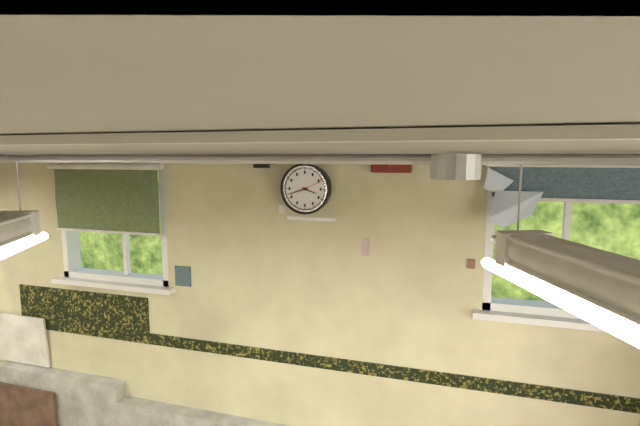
3:42
